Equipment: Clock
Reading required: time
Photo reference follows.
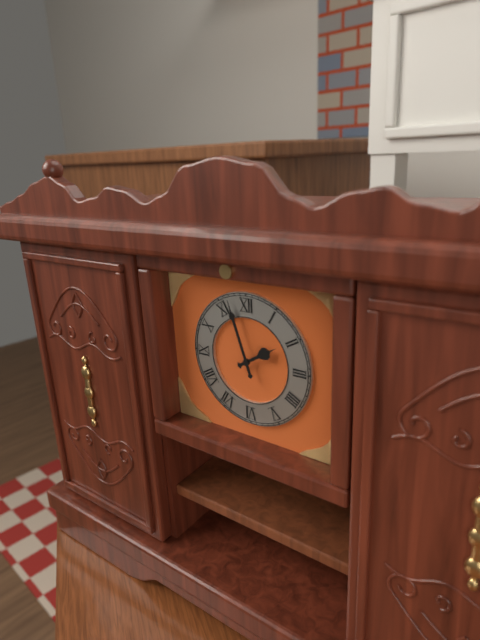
1:57
